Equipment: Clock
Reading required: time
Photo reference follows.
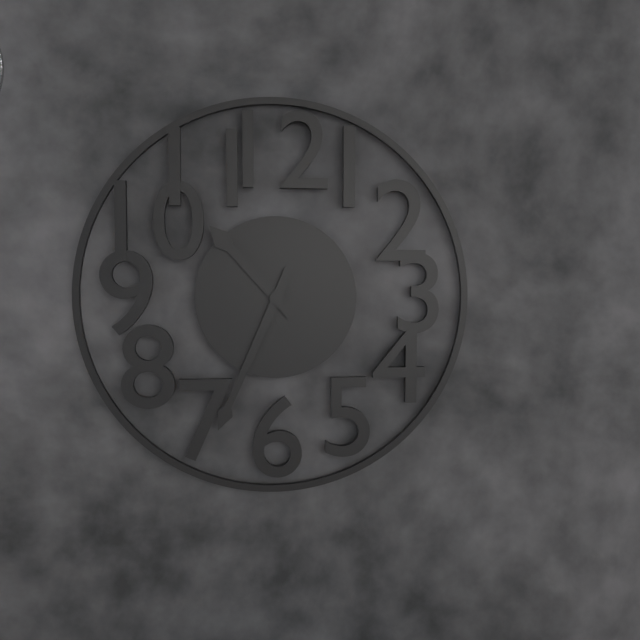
10:34
